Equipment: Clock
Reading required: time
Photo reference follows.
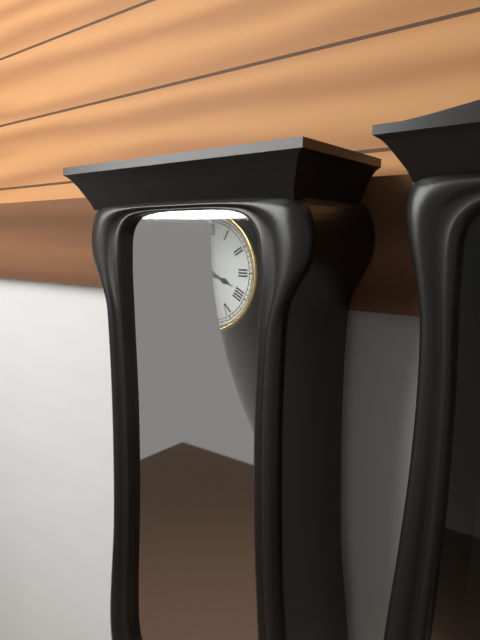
3:50
